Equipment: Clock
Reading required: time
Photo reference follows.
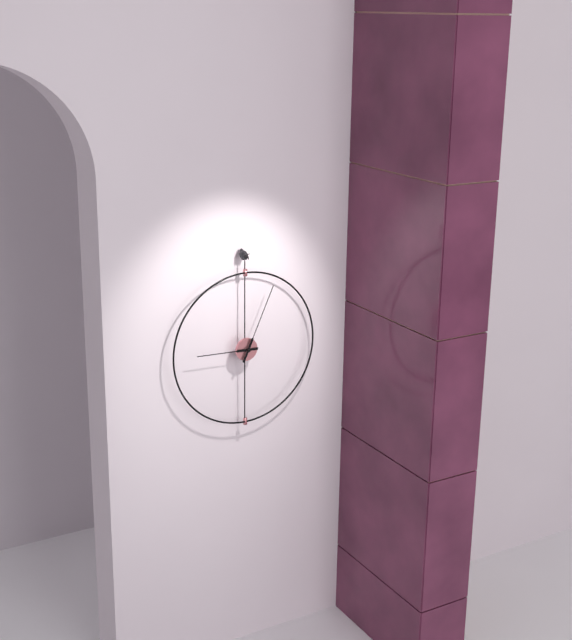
9:04
